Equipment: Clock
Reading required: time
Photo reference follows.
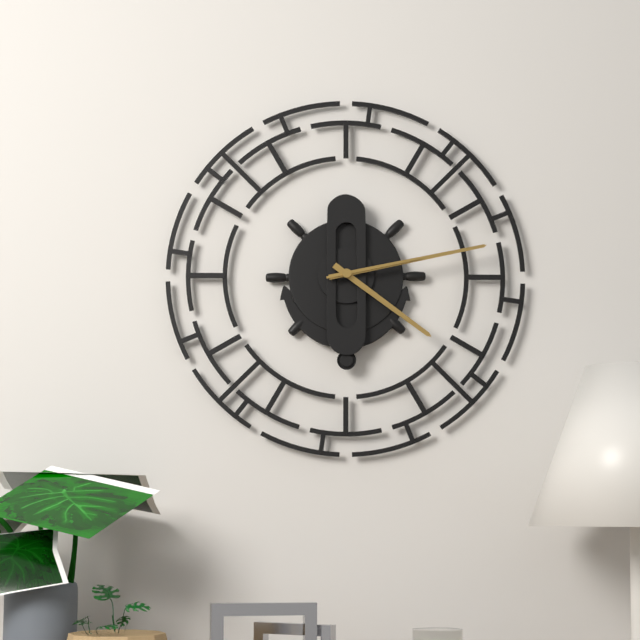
4:13:13
